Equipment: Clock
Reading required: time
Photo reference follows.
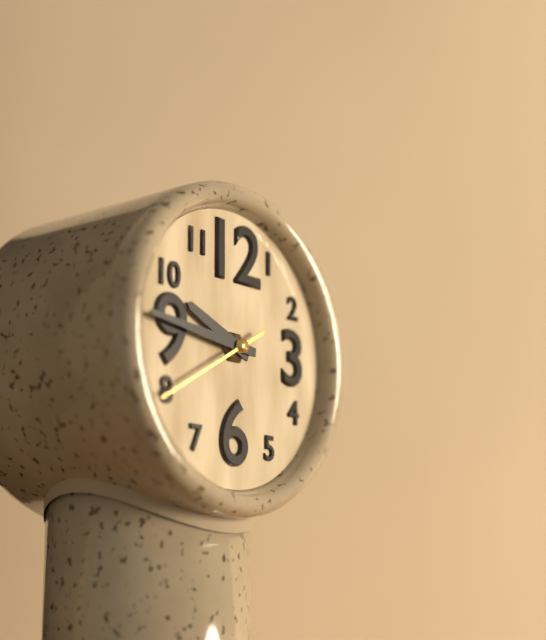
9:46:40
